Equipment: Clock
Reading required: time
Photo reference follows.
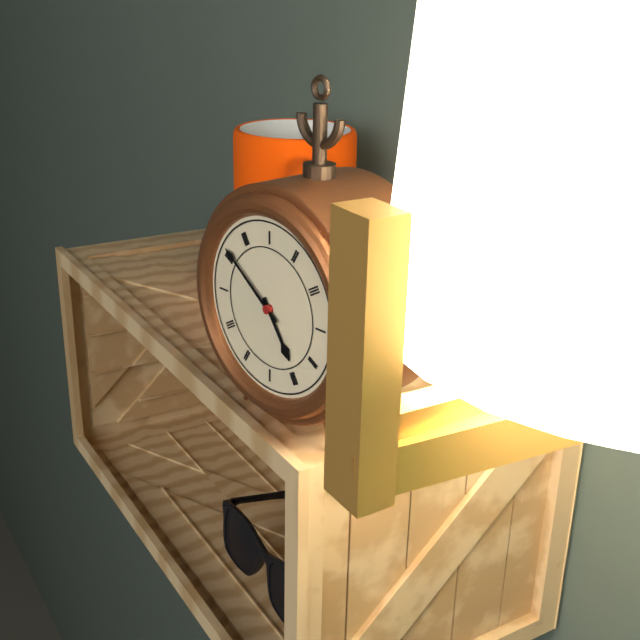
4:51
